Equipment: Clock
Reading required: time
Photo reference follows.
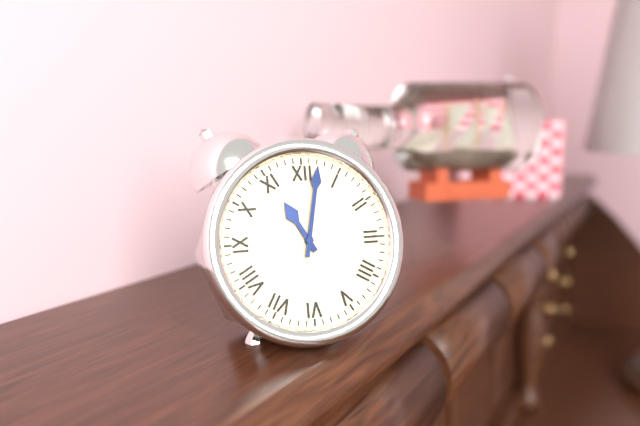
11:02
